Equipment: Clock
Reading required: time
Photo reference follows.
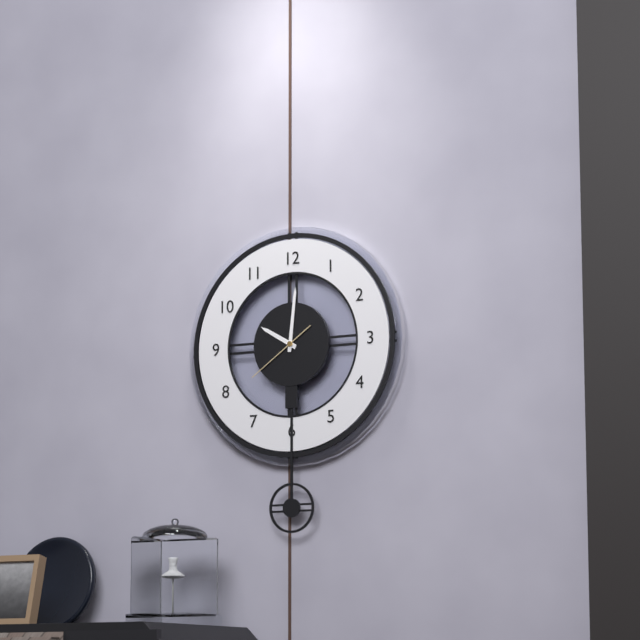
10:01:39
